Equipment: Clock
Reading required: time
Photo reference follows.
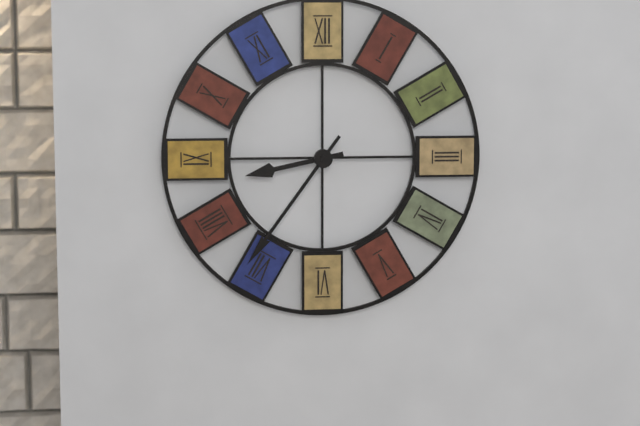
8:36
